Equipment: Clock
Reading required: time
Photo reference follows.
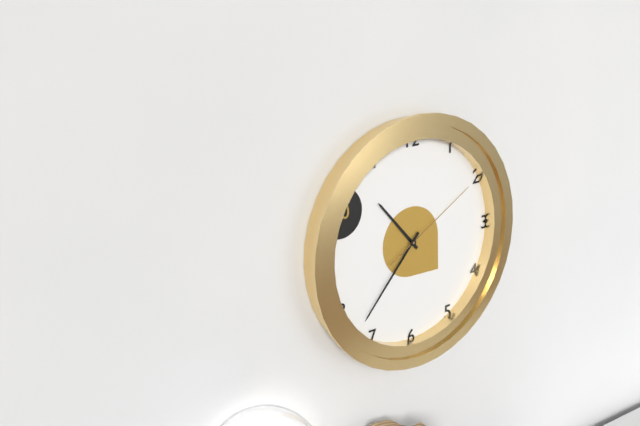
10:37:10
